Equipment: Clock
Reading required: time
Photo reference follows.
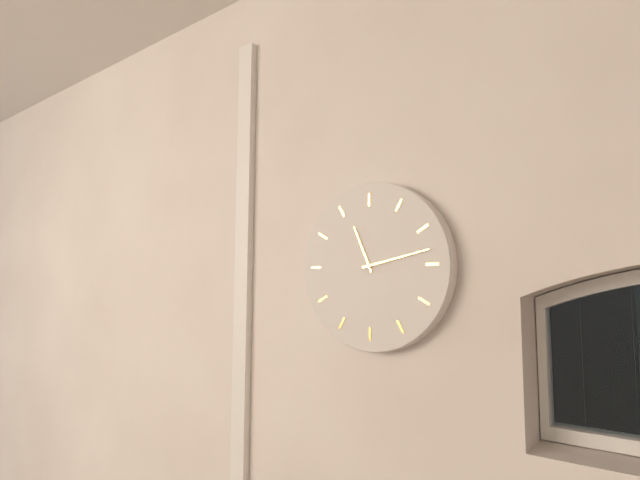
11:13
